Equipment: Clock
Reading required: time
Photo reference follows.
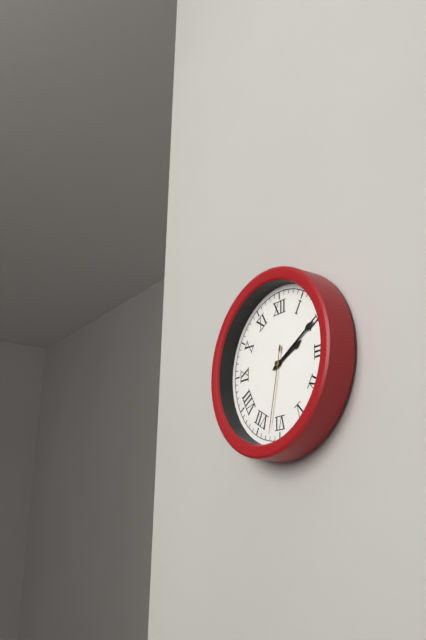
2:10:32
